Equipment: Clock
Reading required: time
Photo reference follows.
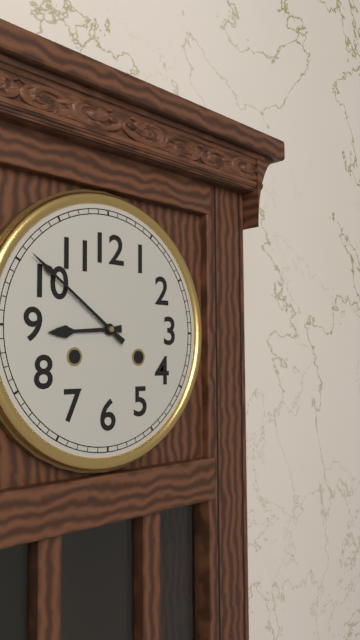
8:51
